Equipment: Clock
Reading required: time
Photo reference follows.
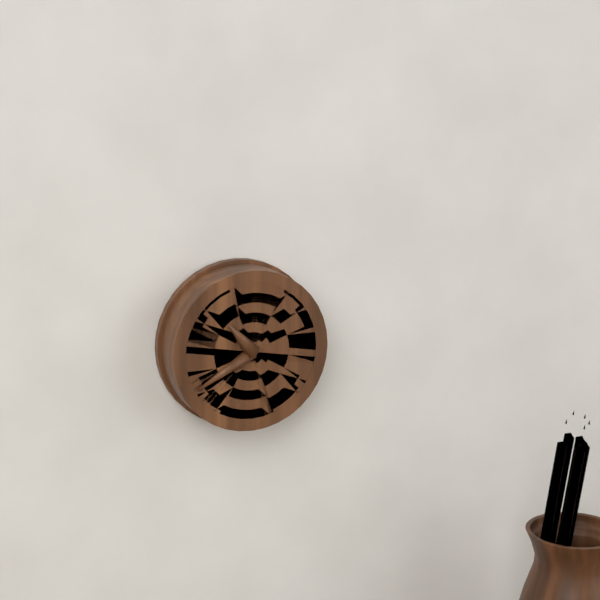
10:40
